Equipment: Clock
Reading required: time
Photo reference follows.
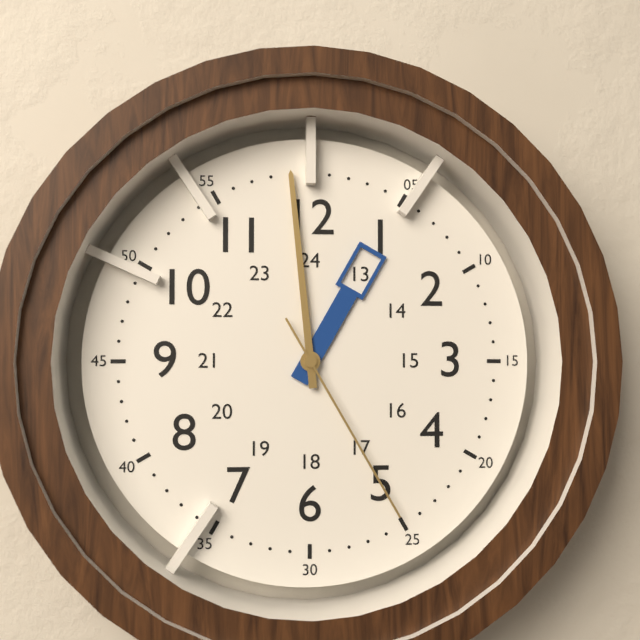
12:59:25
